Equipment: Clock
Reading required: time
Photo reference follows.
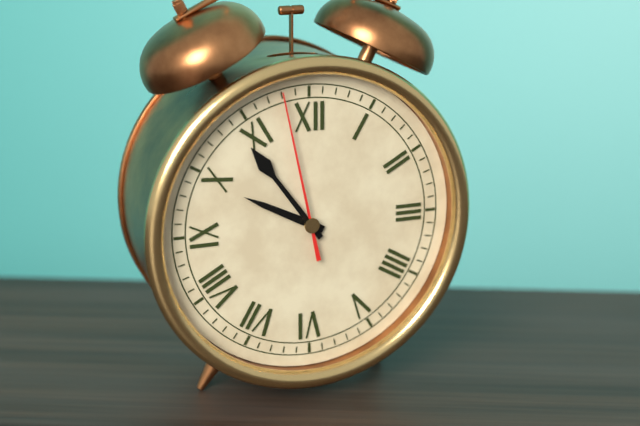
9:54:58
